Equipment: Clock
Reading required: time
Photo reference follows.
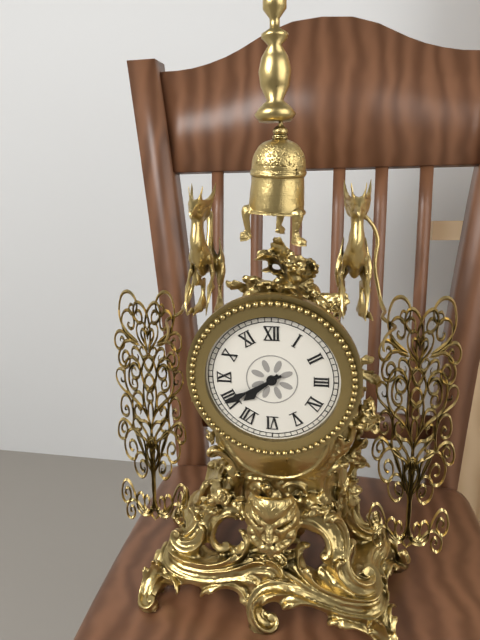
7:40
